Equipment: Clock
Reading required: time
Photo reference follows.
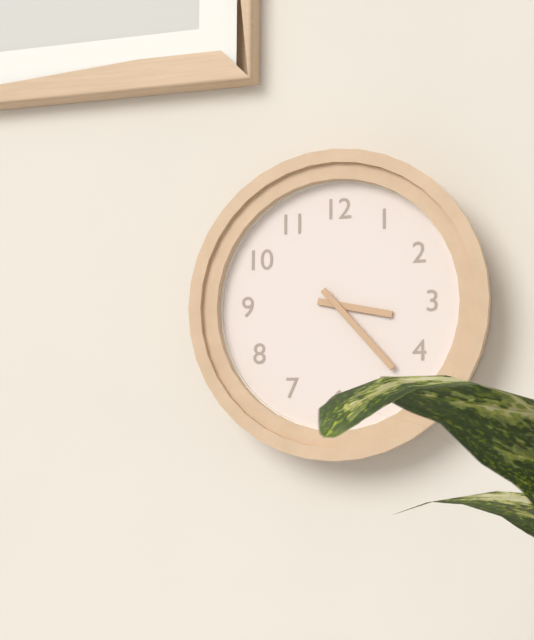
3:23
